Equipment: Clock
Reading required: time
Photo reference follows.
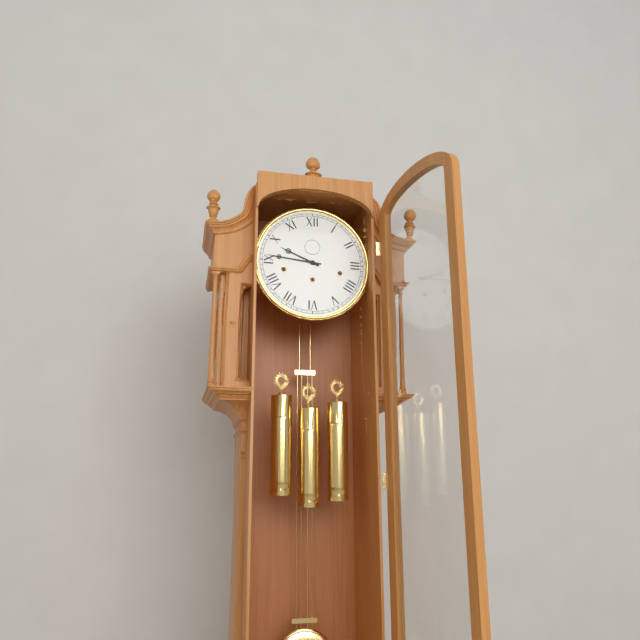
9:46
